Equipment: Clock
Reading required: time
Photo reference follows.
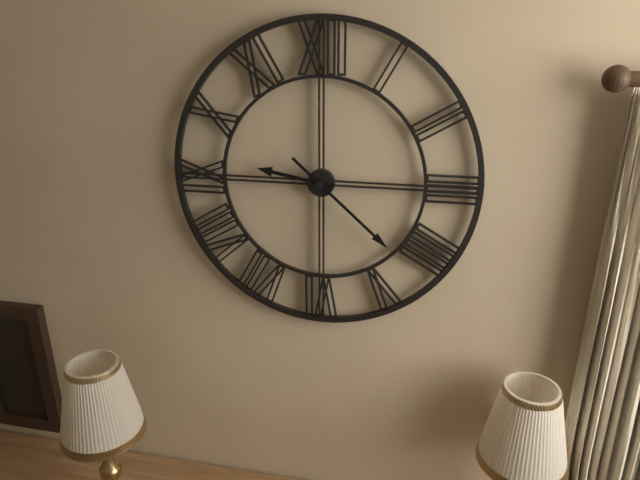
9:22
